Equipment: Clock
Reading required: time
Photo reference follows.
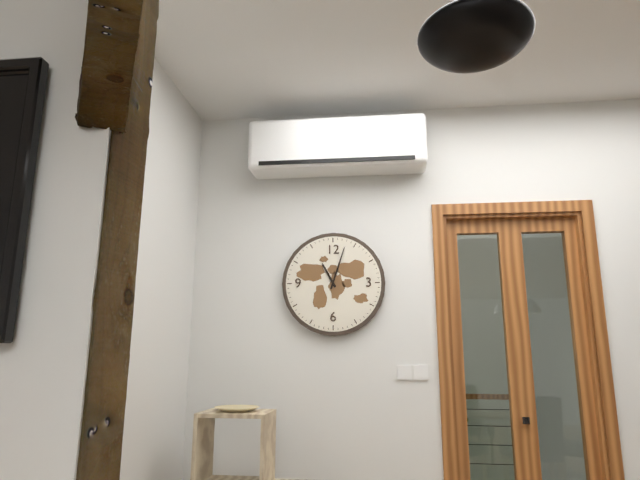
11:03
